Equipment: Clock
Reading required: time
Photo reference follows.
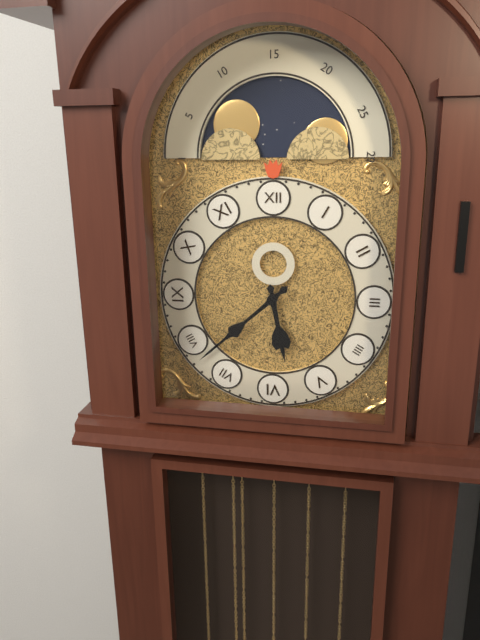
5:38
